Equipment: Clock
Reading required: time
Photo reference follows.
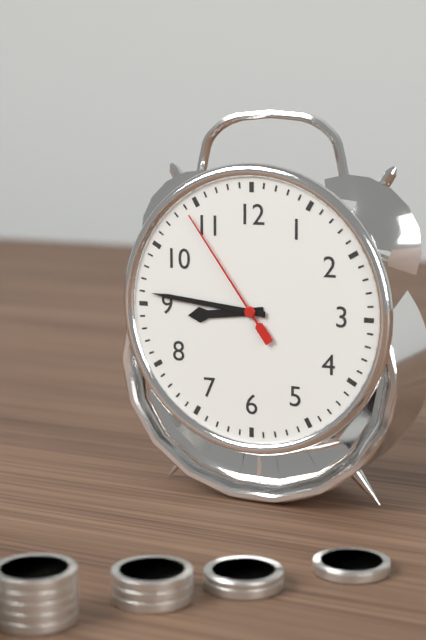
8:46:54
